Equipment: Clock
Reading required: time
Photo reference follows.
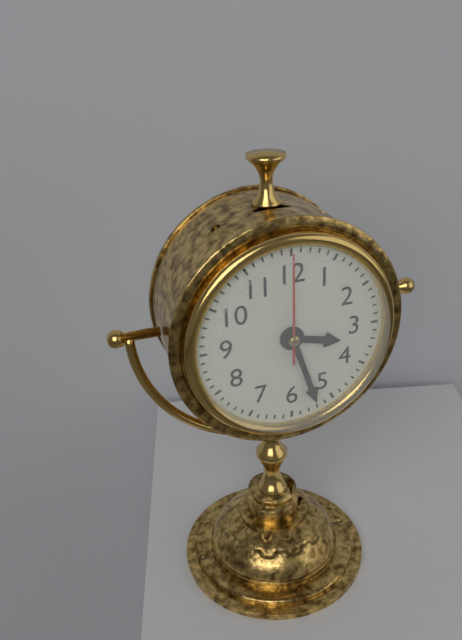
3:27:00
